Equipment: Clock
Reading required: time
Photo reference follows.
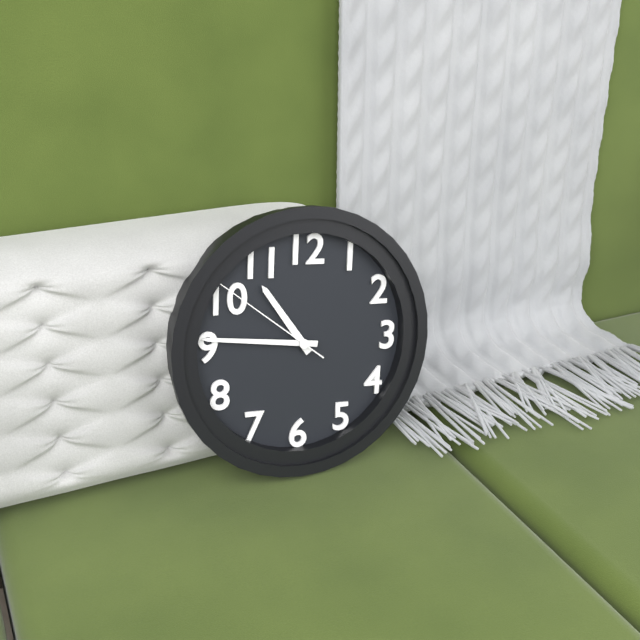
10:46:51
